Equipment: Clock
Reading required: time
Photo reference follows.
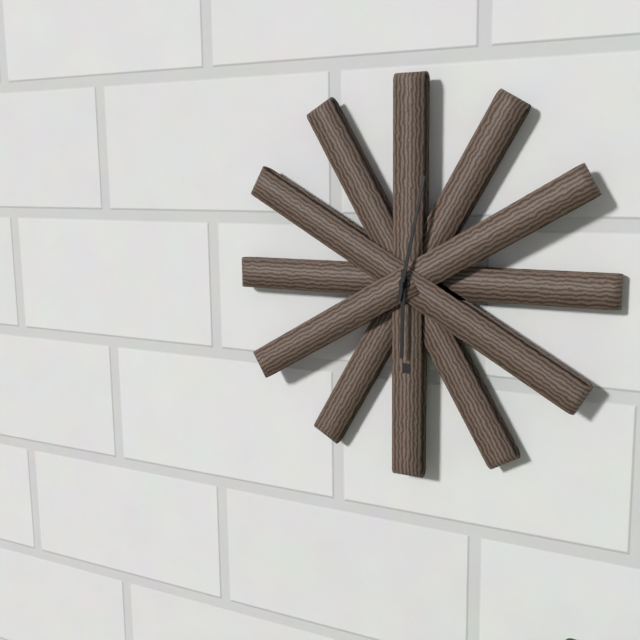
6:02
